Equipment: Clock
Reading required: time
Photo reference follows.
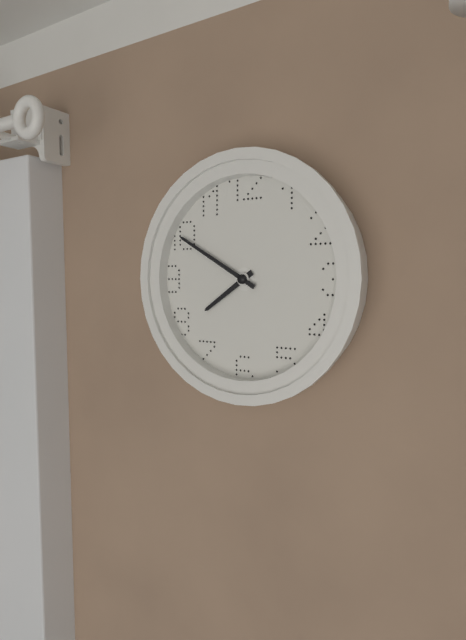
7:50
